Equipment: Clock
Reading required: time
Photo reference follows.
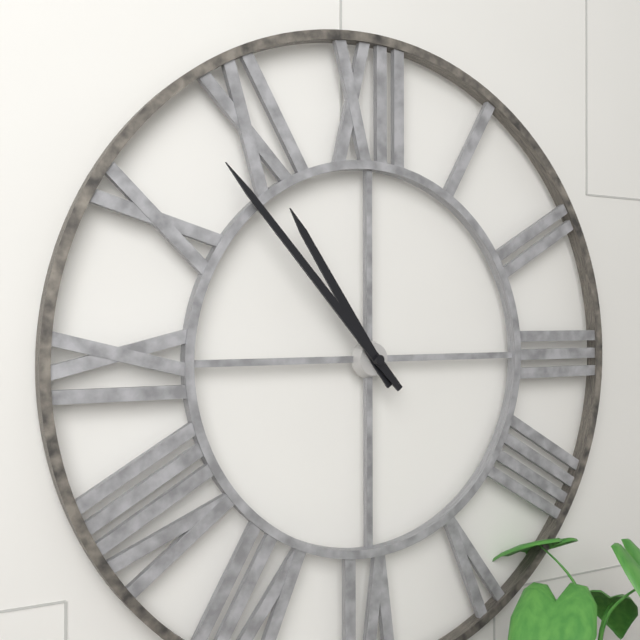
10:53
